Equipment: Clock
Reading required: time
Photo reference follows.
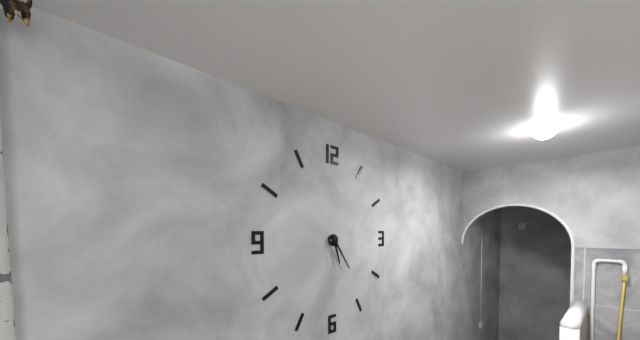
5:24
